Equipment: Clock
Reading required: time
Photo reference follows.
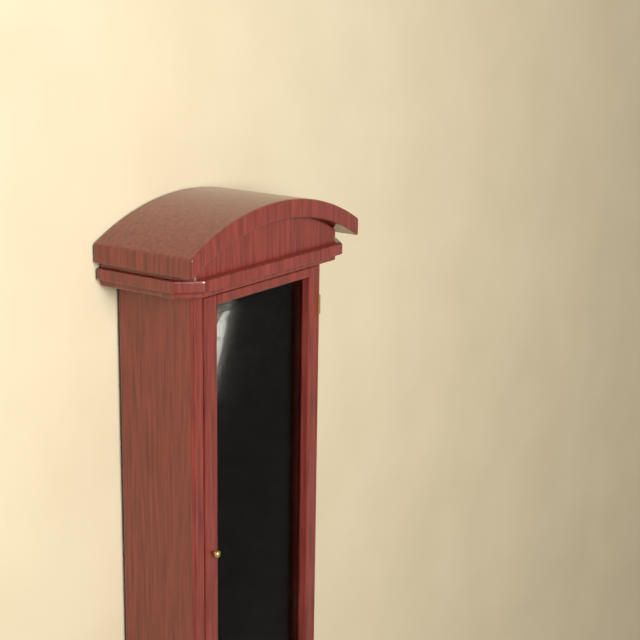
11:58
